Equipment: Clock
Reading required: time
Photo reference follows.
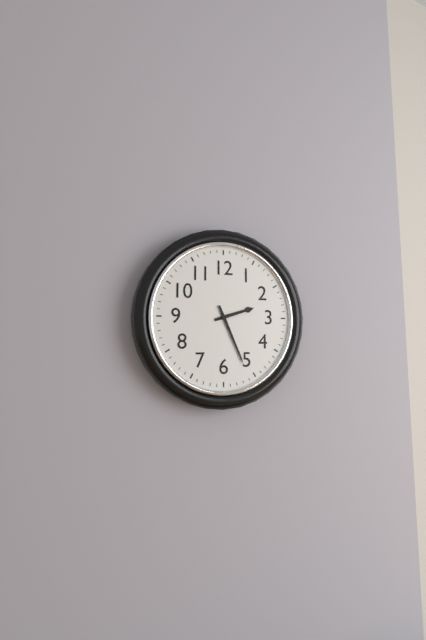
2:26
